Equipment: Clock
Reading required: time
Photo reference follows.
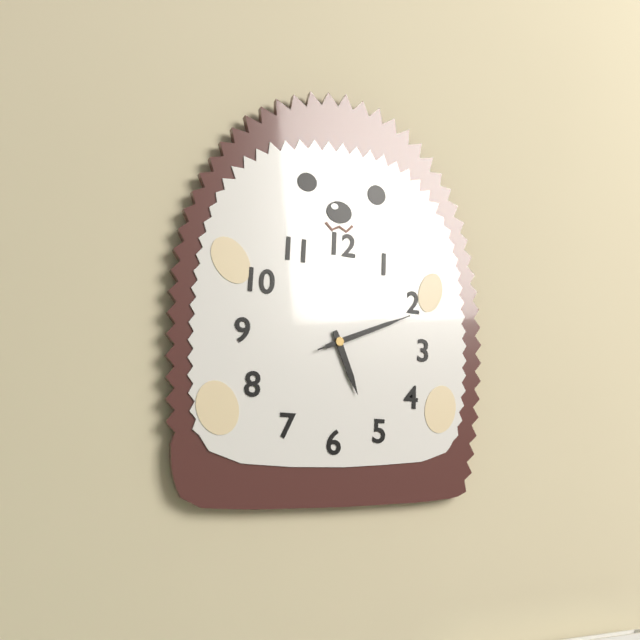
5:11:11
